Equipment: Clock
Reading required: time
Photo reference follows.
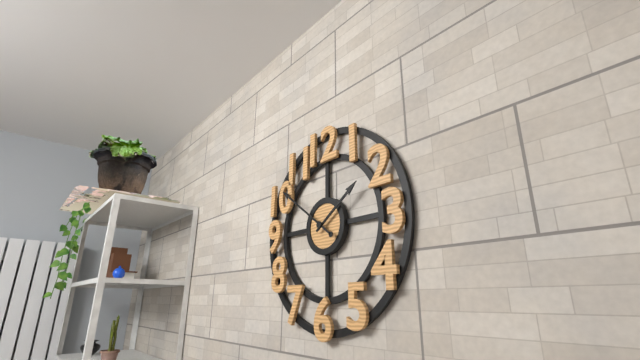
1:51
